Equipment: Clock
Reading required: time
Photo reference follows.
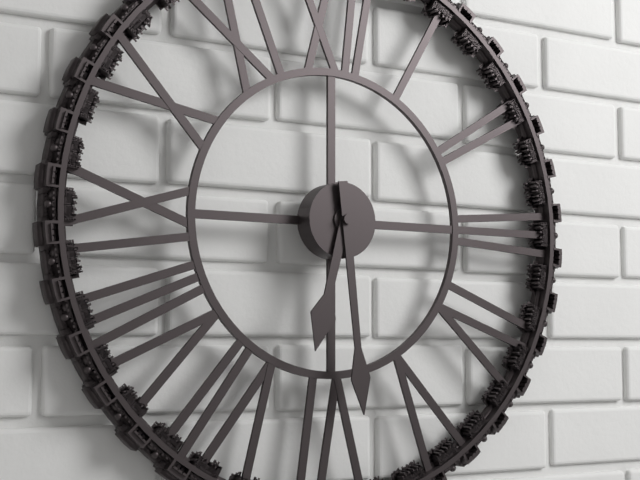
6:29
